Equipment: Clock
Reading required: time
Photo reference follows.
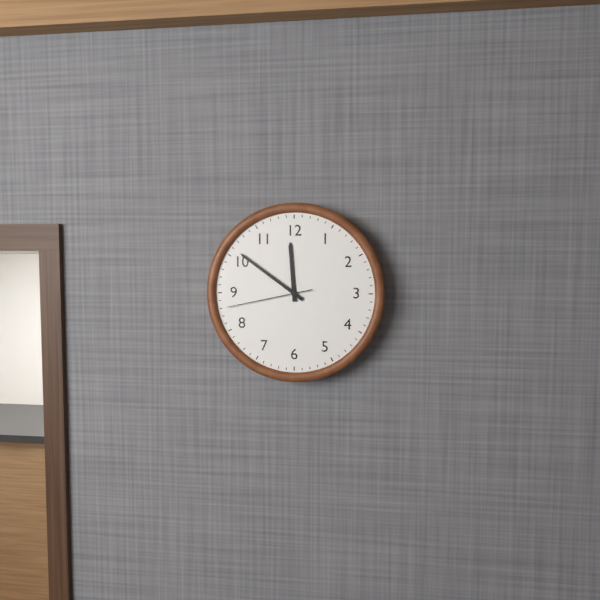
11:51:43
